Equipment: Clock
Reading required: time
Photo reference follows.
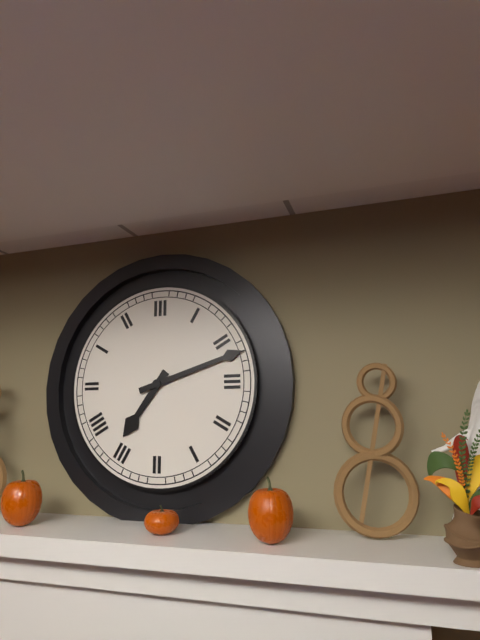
7:12
